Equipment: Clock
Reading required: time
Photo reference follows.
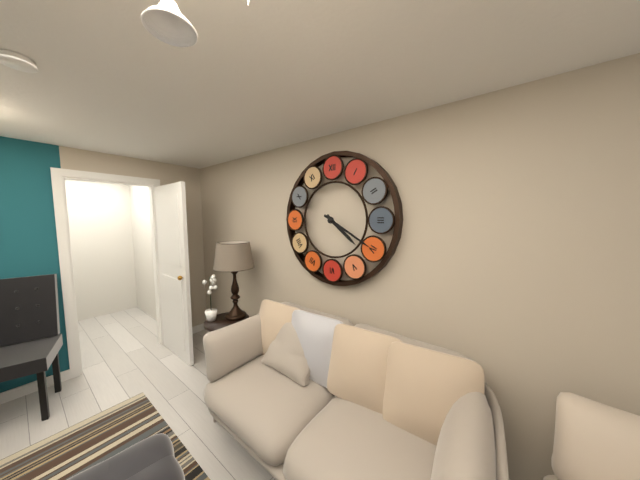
4:20
